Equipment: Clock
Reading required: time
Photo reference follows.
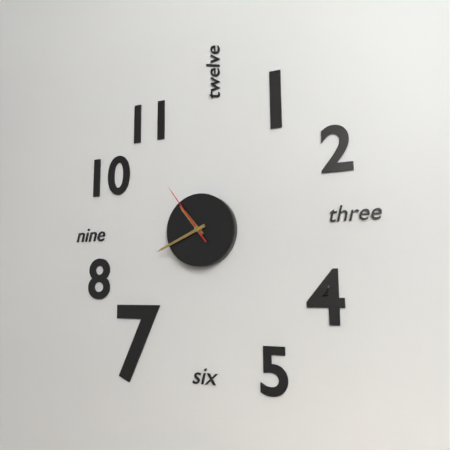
10:41:54
